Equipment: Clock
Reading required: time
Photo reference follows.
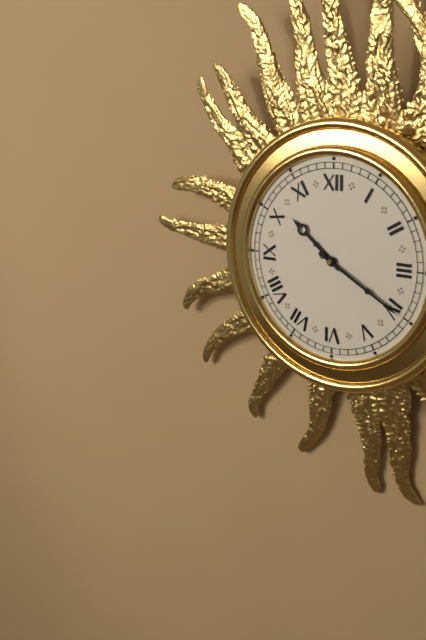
10:20
